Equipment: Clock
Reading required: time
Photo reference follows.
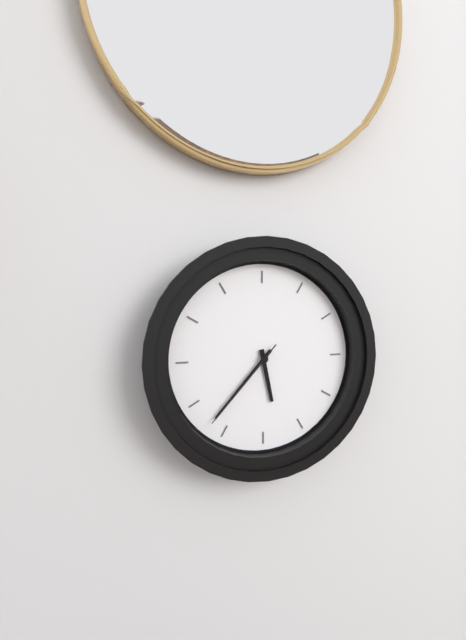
5:37:37
